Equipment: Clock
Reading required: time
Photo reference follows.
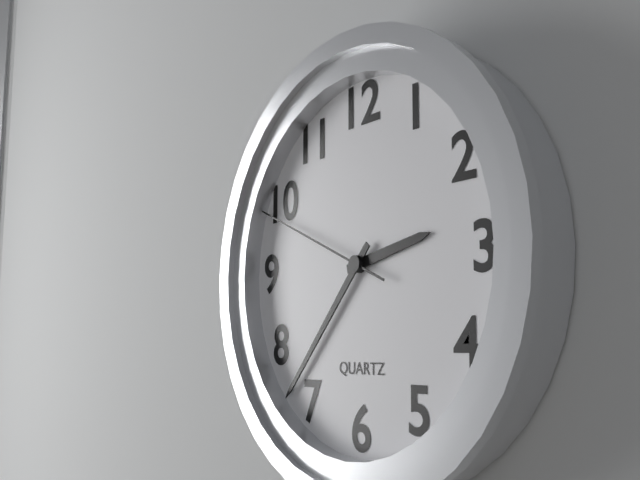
2:37:49
